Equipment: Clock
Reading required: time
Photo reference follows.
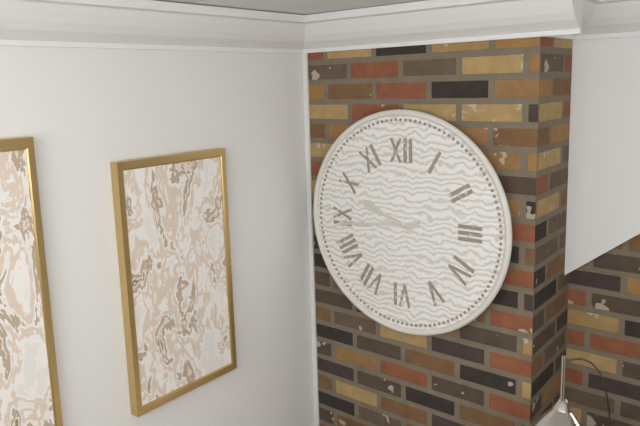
9:44
